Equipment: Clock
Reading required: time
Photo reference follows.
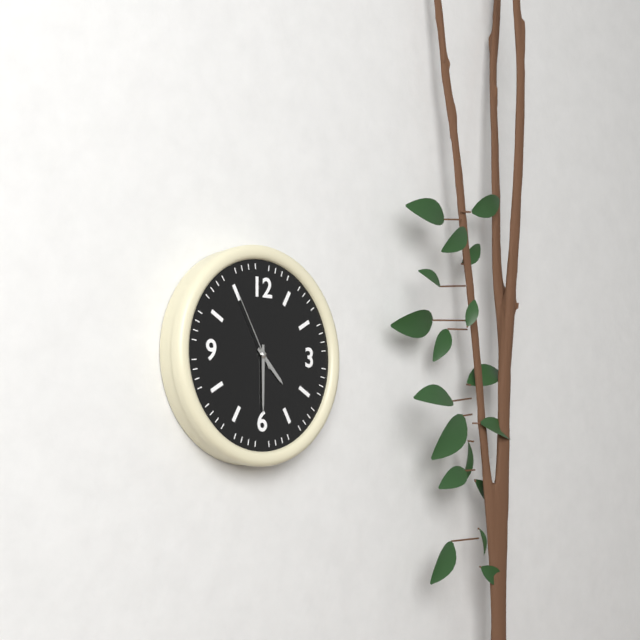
4:30:55
